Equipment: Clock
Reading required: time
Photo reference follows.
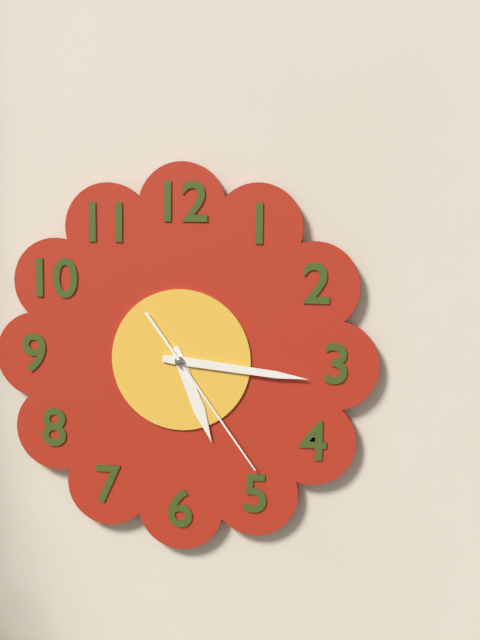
5:16:24
